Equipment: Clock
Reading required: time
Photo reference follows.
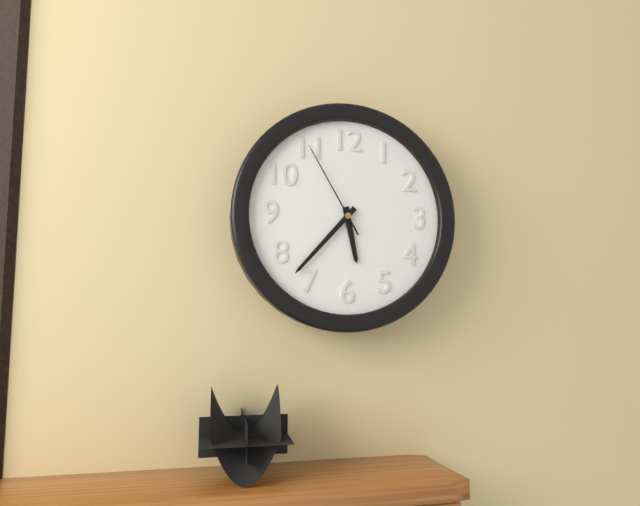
5:37:55
